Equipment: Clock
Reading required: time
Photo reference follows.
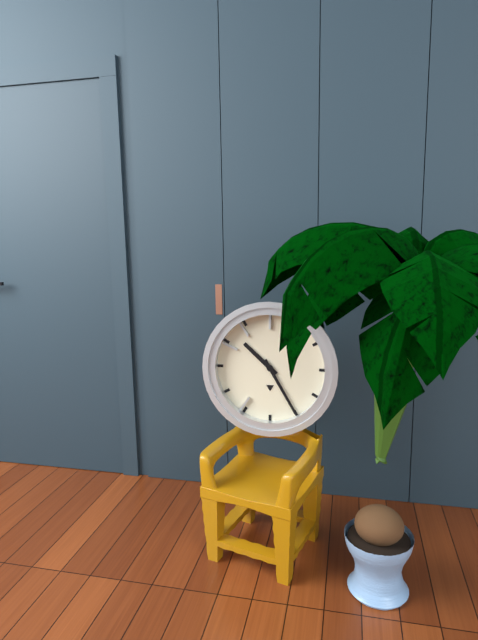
10:25
